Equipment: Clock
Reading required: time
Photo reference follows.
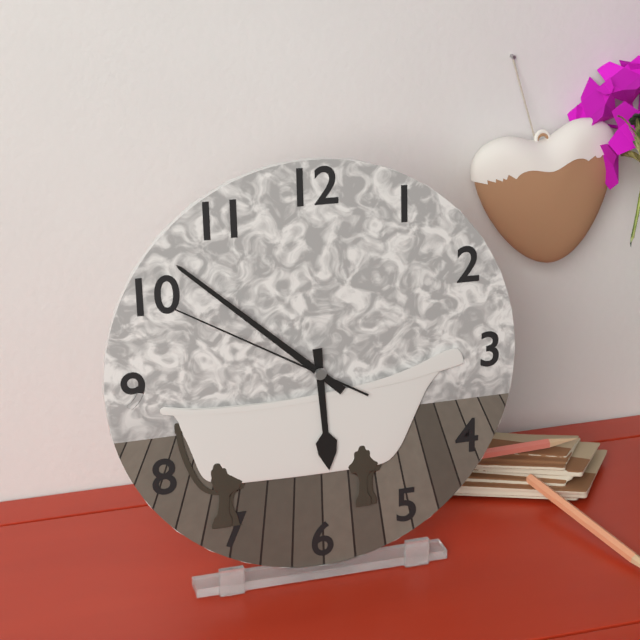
5:52:50
